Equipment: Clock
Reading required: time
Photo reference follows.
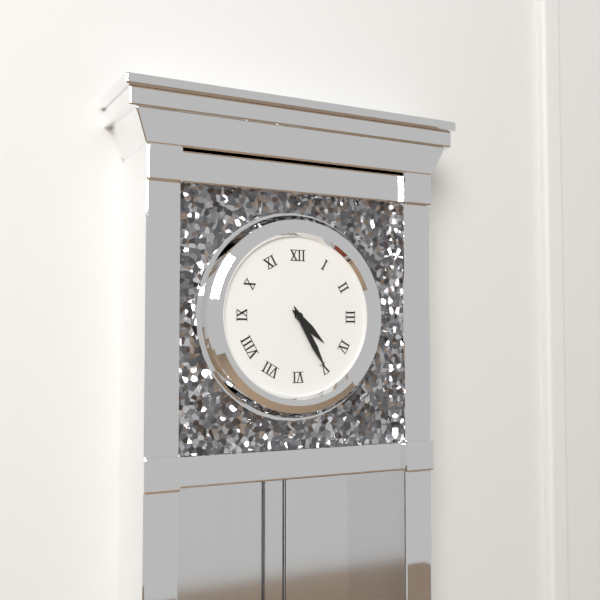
4:25
